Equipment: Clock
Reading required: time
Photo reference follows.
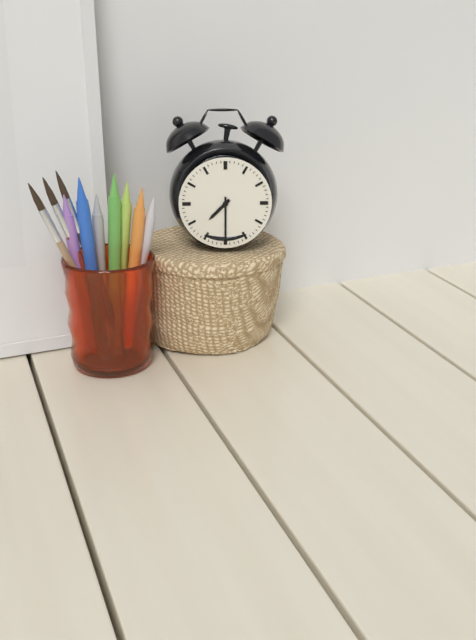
7:30
